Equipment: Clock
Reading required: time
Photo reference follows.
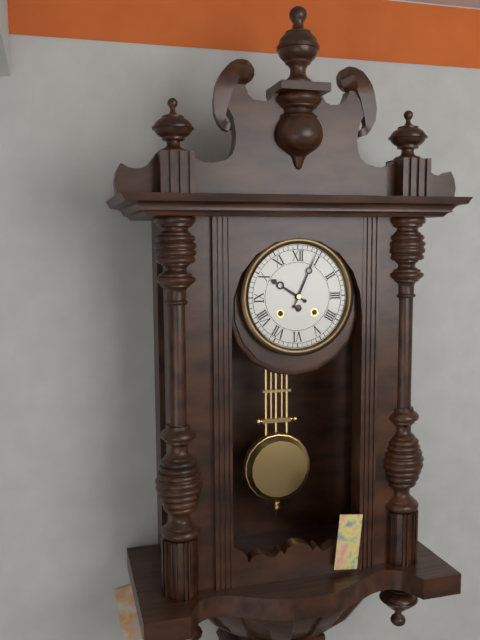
10:04
